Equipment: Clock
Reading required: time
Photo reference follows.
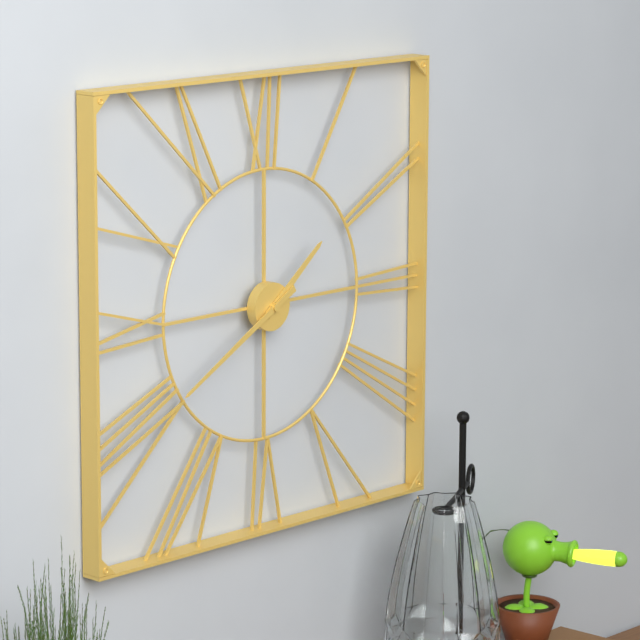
1:40
